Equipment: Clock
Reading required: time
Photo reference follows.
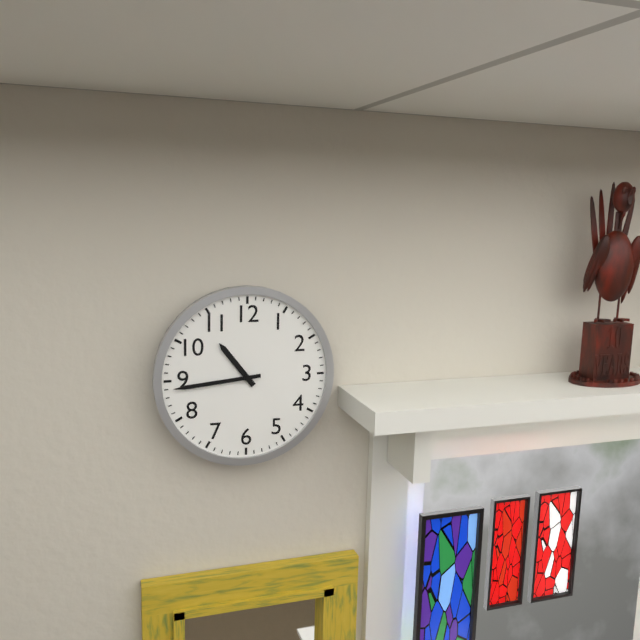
10:44
